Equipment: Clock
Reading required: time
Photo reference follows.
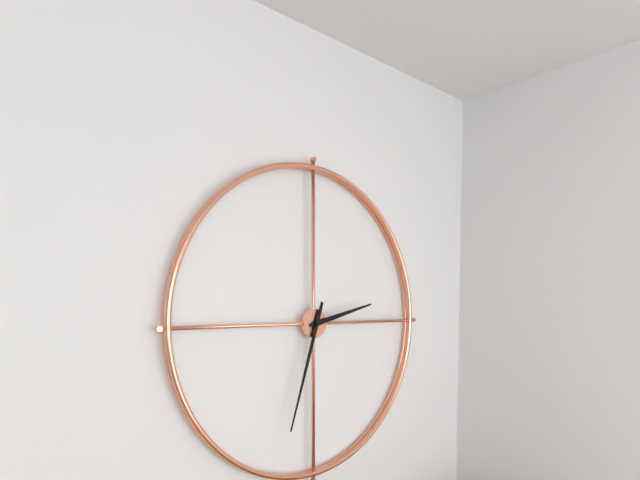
2:33
